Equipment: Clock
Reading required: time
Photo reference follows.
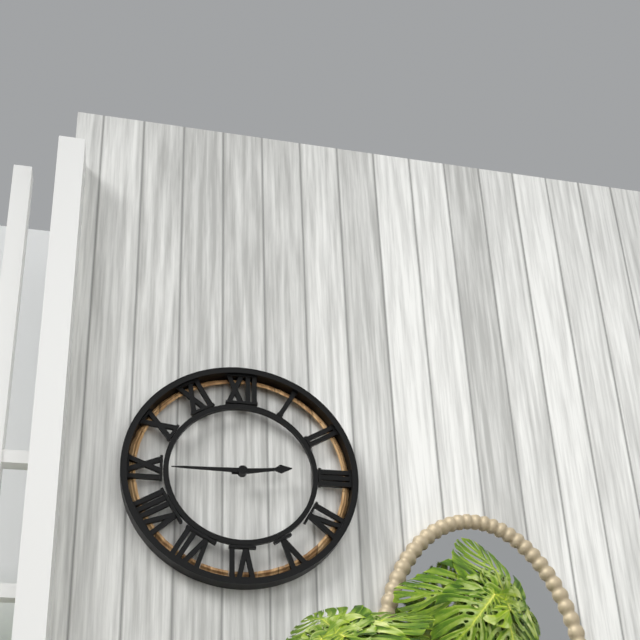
2:45
